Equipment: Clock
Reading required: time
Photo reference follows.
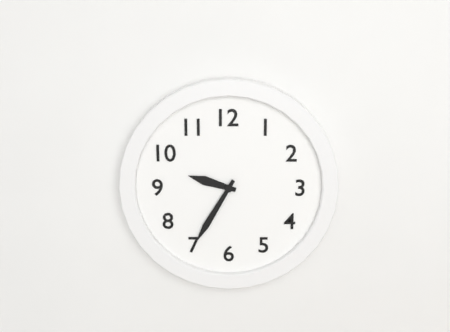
9:35
